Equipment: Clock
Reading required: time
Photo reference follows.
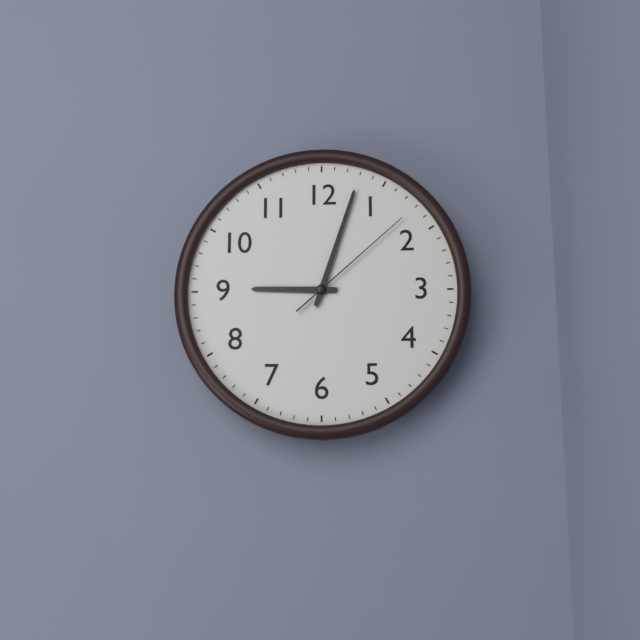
9:03:08
